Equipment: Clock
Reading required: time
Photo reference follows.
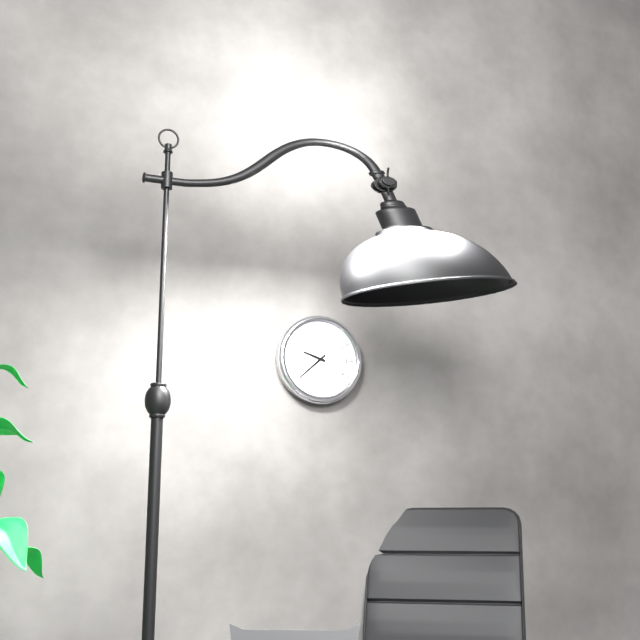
9:38
